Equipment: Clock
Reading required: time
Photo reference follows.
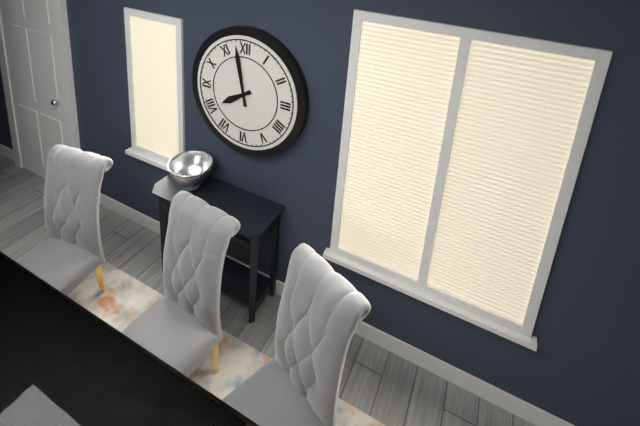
7:58
